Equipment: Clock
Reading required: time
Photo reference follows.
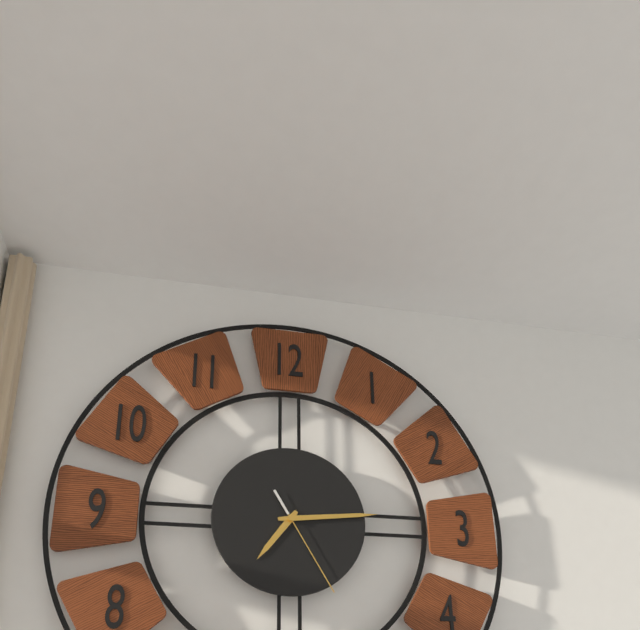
7:14:25
